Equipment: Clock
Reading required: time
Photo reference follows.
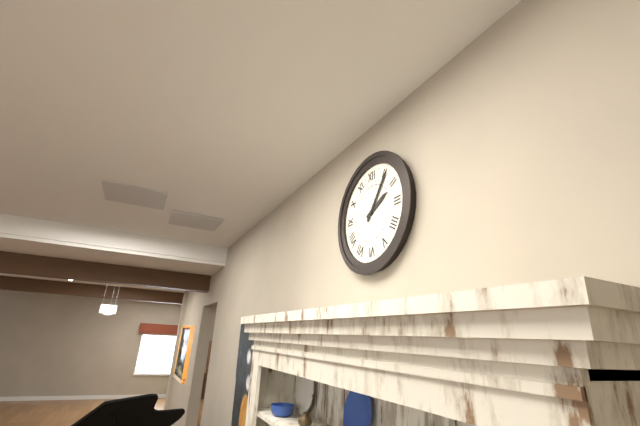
2:06
